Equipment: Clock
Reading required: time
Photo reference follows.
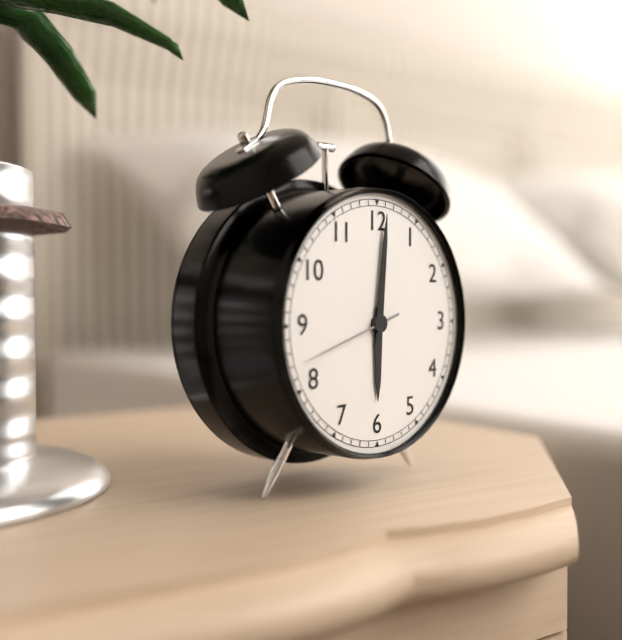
6:01:42
